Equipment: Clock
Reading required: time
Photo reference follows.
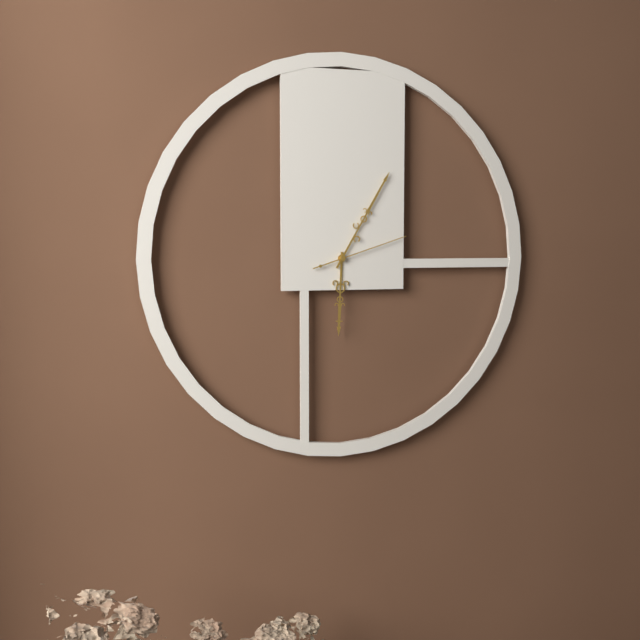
6:05:12
